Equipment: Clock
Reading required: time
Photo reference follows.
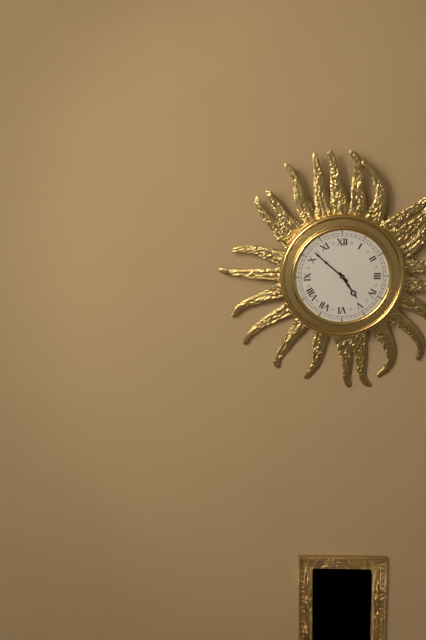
4:52
